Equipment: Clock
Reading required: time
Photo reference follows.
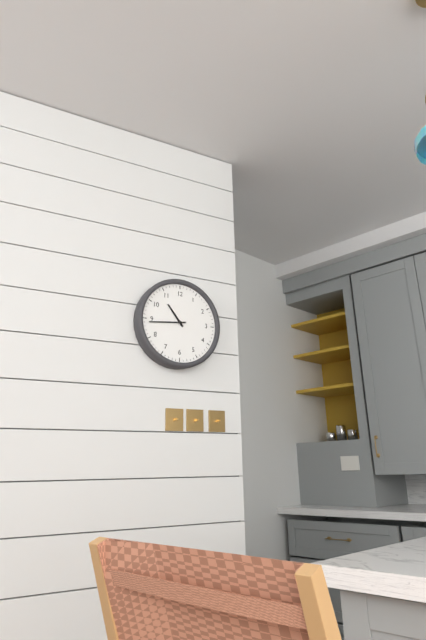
10:44
